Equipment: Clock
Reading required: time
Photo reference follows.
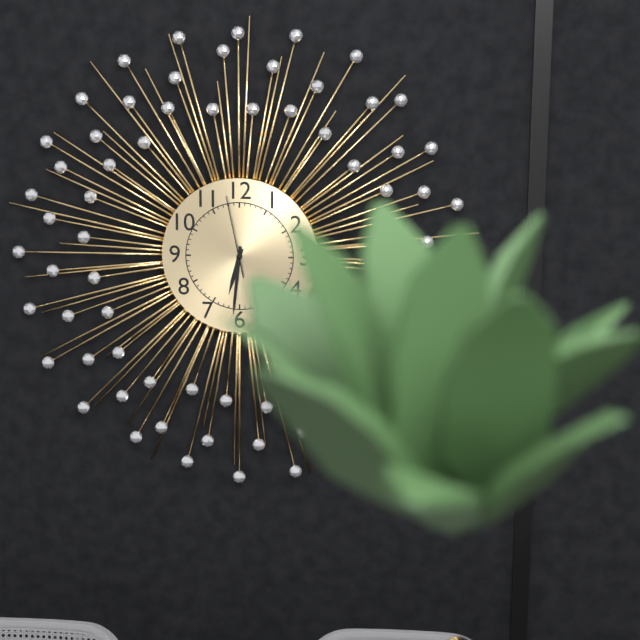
6:31:58
